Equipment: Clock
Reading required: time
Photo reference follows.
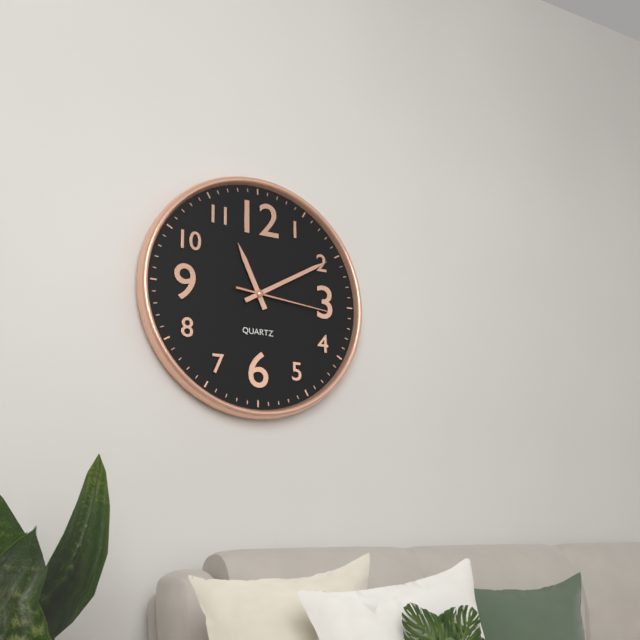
11:10:16
